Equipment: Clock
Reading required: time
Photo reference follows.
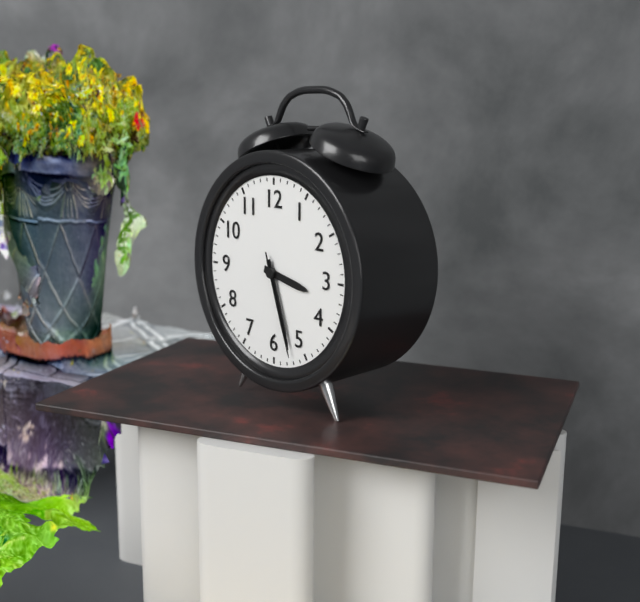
3:27:27
